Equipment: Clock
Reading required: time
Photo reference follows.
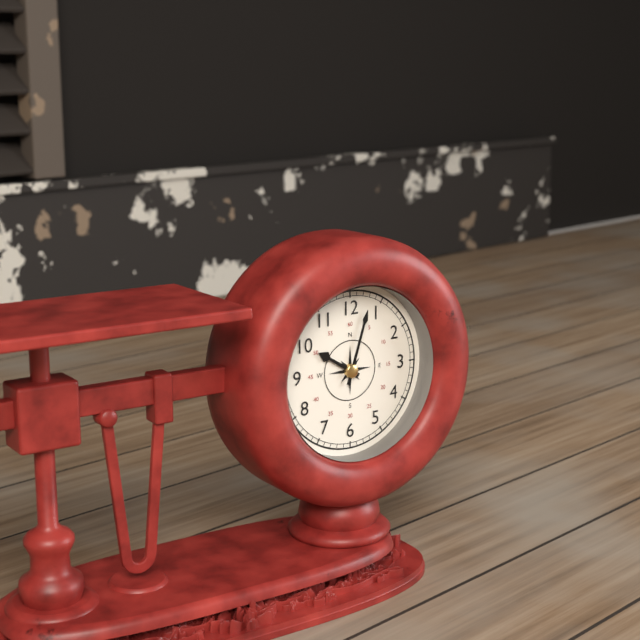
10:03
